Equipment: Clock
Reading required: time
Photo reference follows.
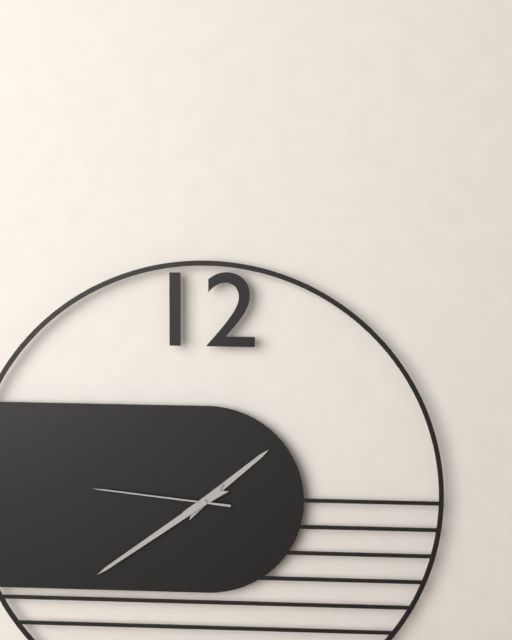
1:39:46
